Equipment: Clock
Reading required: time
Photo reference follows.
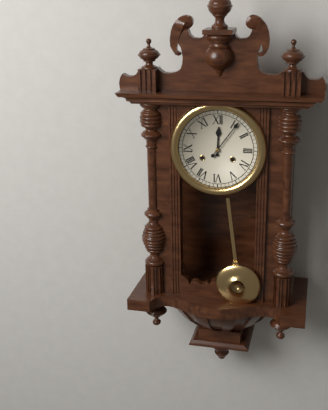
12:06
